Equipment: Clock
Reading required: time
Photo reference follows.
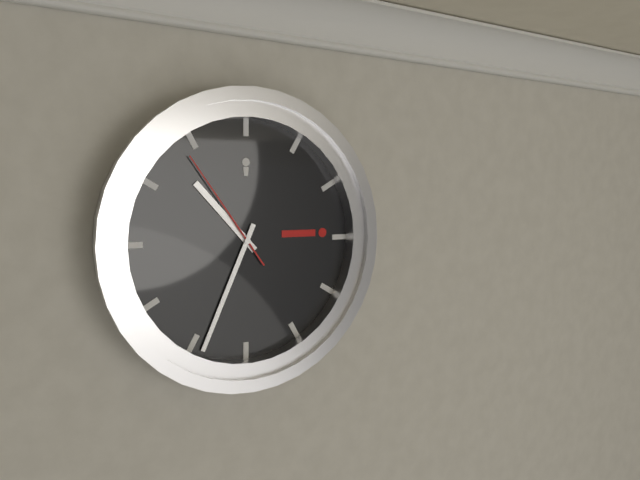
10:34:54
